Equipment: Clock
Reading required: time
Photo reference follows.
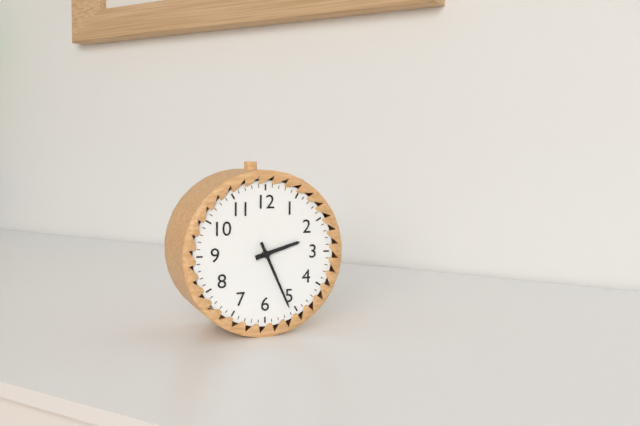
2:26
